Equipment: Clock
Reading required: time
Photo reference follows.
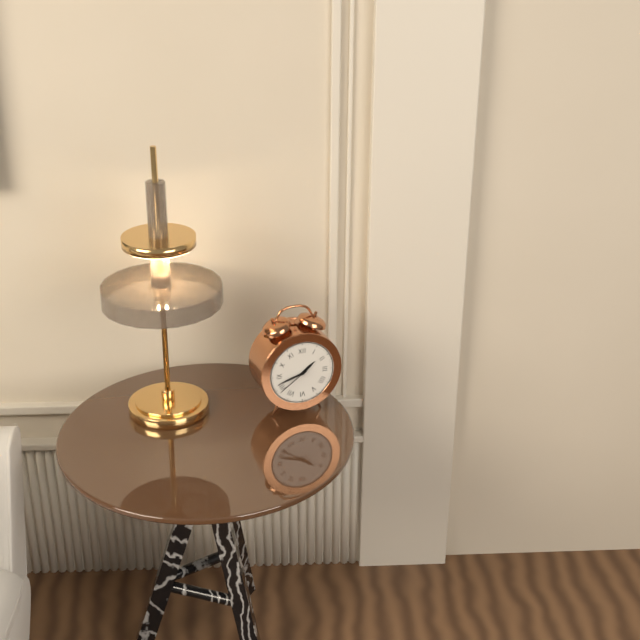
1:42
